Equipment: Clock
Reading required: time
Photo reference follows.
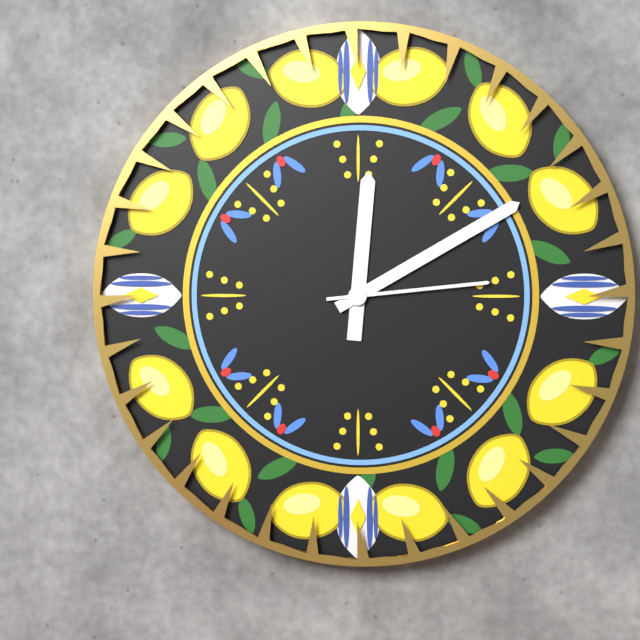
12:10:14
